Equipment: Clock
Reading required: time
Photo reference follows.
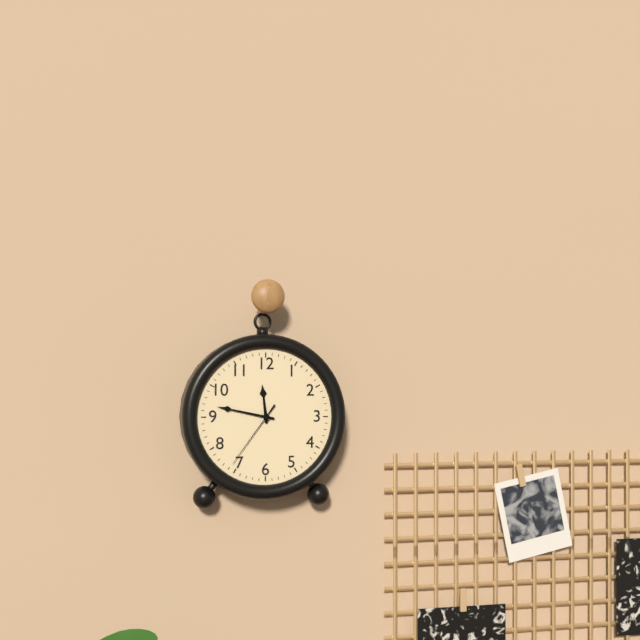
11:47:36
